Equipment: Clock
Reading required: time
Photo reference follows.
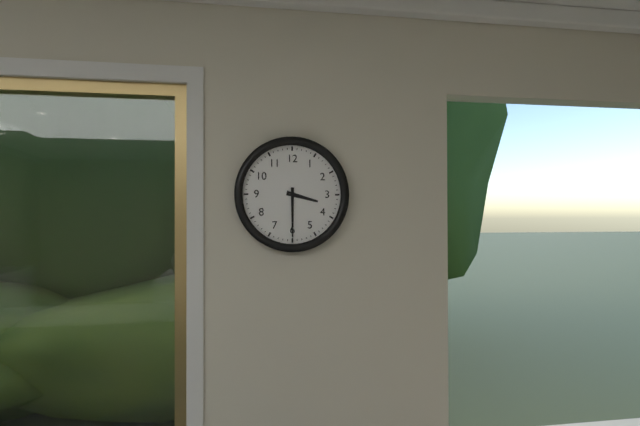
3:30
